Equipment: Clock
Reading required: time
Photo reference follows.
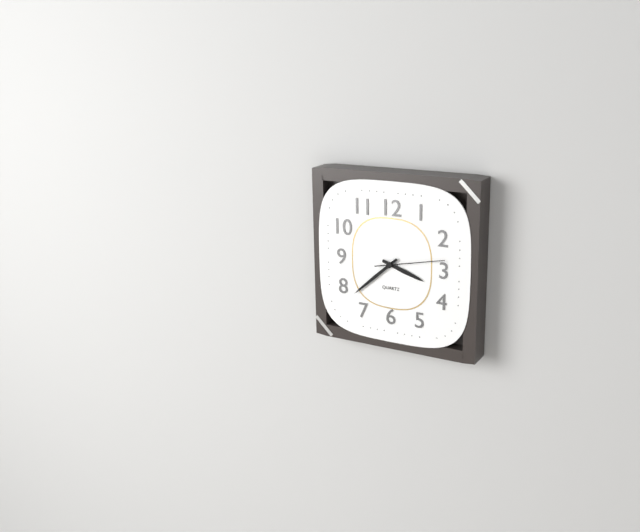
3:38:13
